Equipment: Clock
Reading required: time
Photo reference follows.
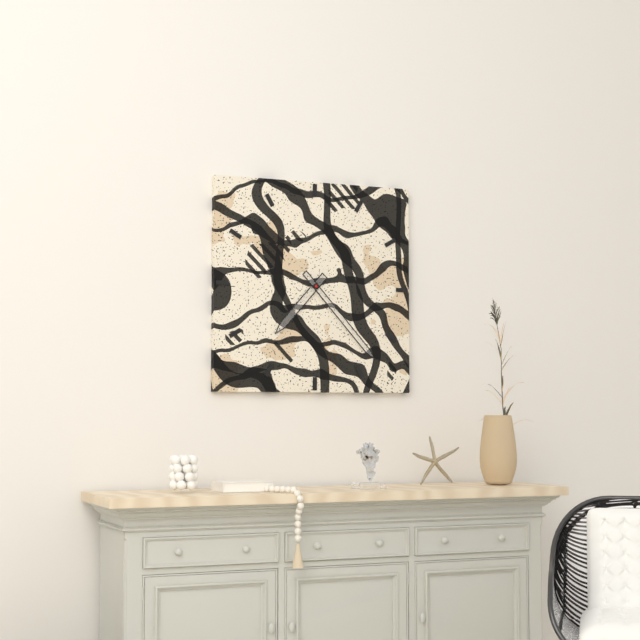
7:23
